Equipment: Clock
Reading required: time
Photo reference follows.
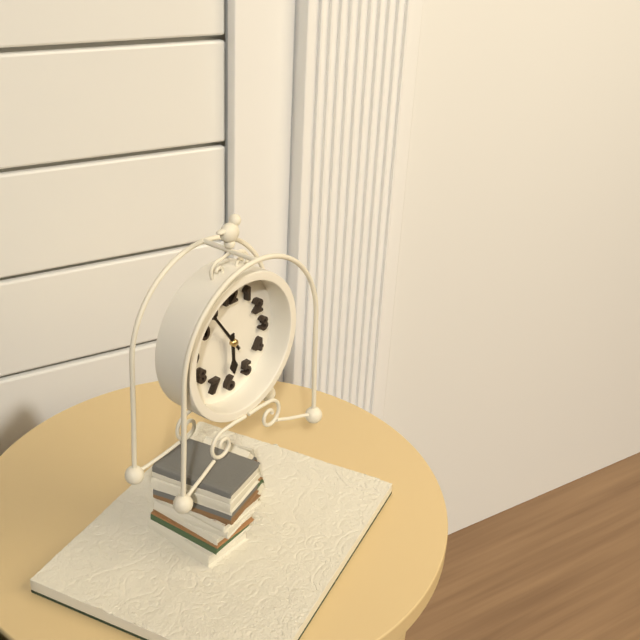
5:54
